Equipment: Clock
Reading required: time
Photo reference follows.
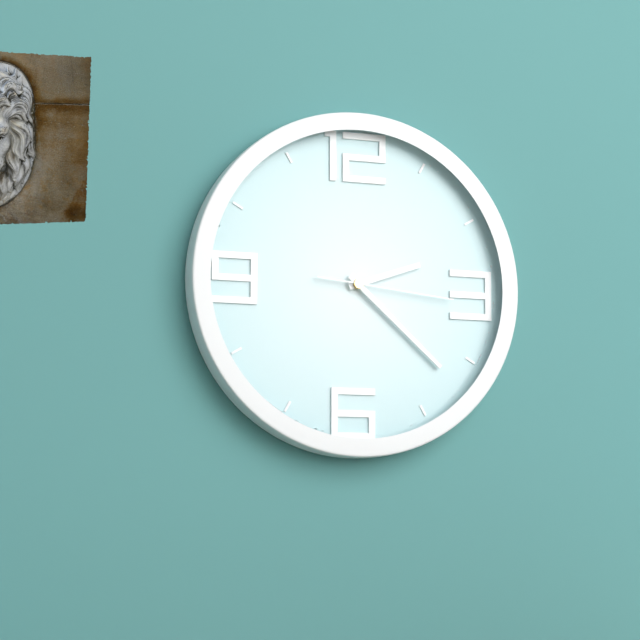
2:22:16
